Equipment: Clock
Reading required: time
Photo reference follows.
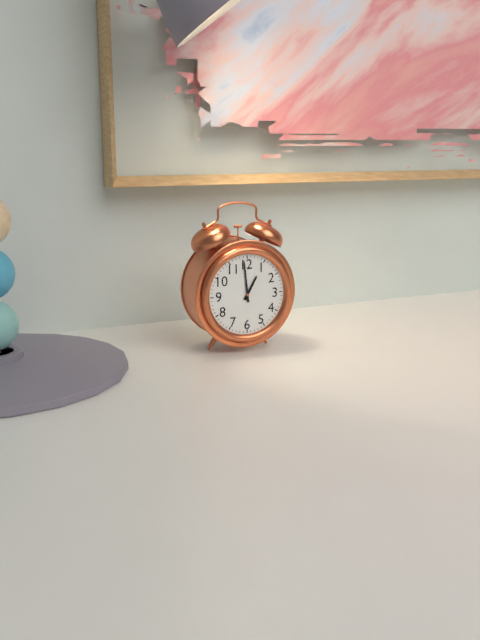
12:59
